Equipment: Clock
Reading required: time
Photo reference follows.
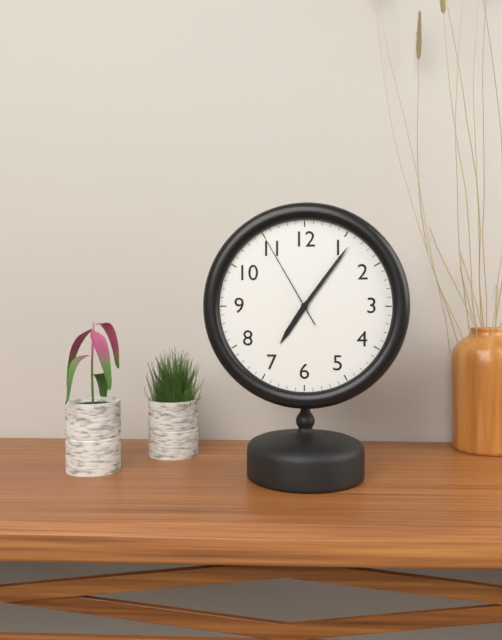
7:06:55
